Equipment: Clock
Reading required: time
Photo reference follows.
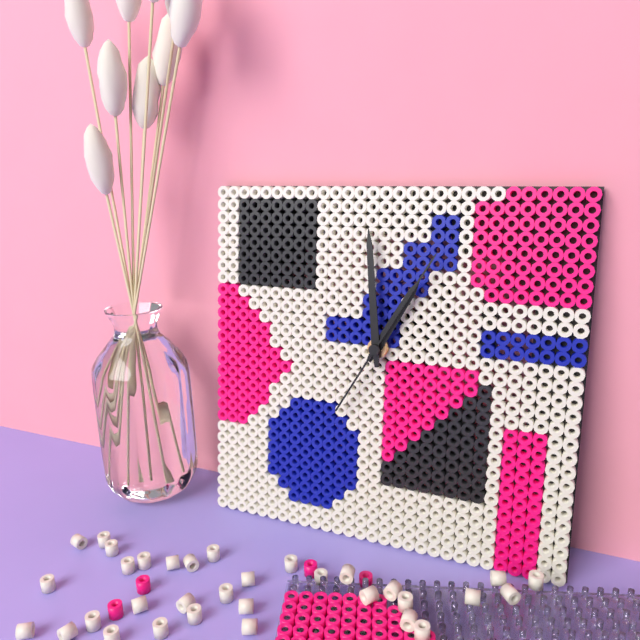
12:59:05
